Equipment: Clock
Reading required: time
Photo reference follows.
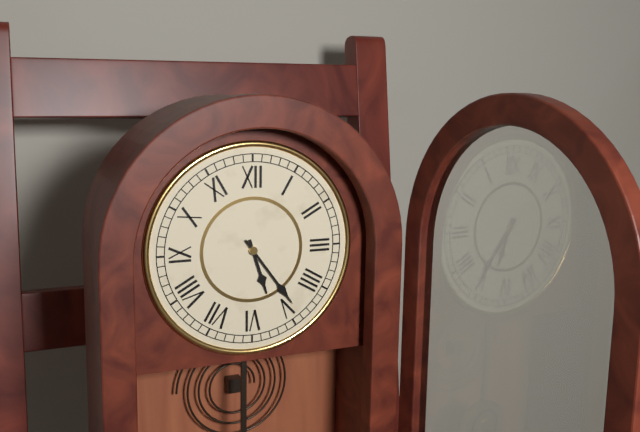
5:24
